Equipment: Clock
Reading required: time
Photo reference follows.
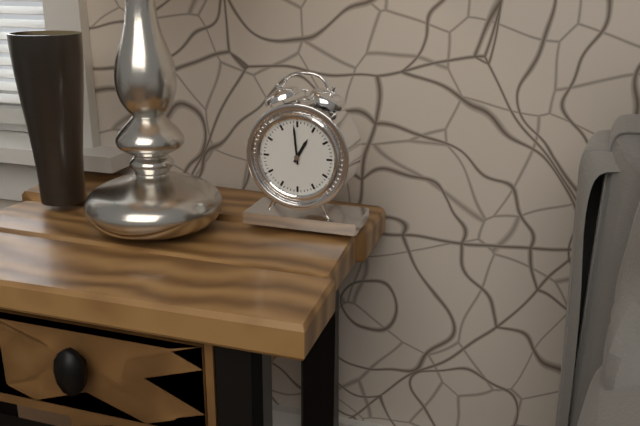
12:59
